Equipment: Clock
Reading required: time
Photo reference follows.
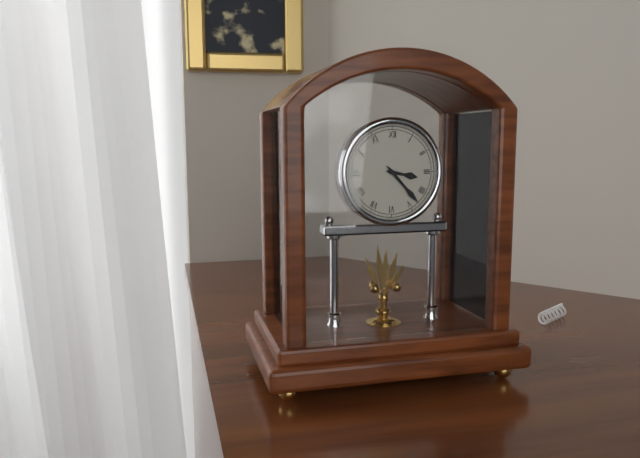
3:23
